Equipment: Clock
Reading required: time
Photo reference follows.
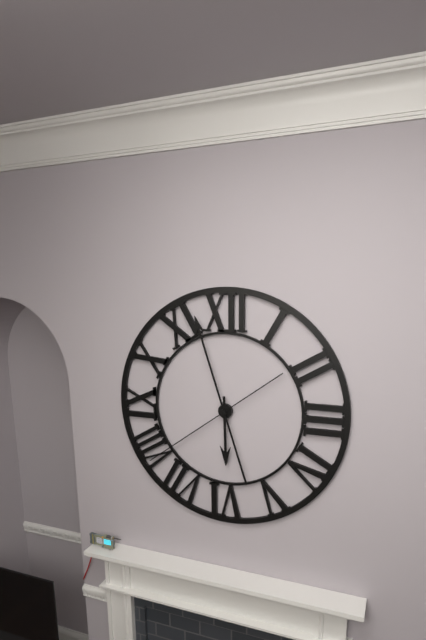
5:57:39
